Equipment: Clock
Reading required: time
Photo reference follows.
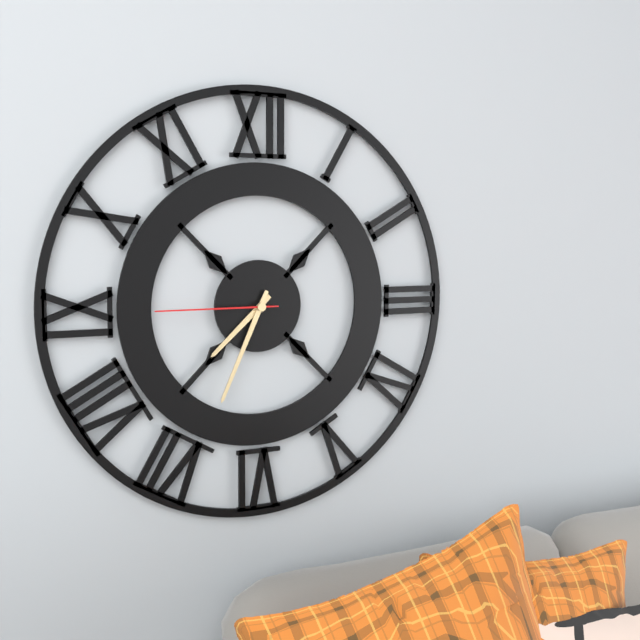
7:34:45
